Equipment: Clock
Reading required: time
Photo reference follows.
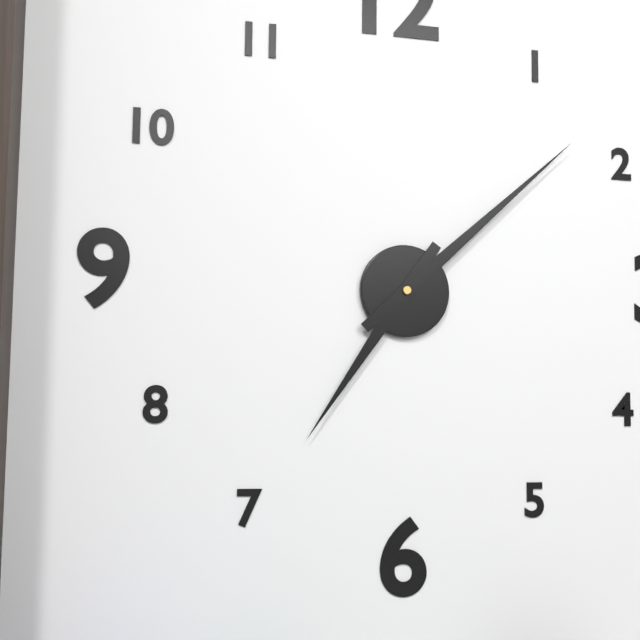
7:08
